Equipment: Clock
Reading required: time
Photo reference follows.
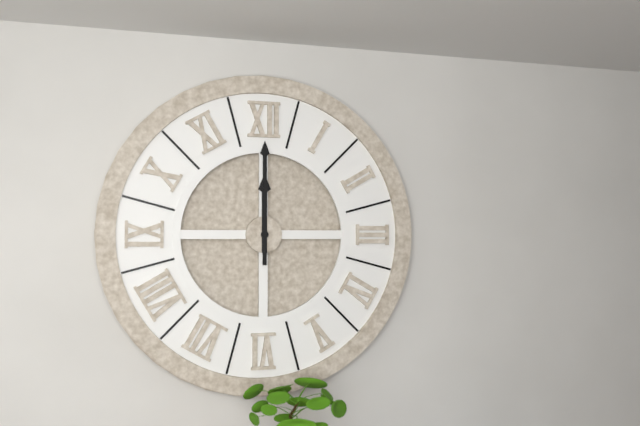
12:00
